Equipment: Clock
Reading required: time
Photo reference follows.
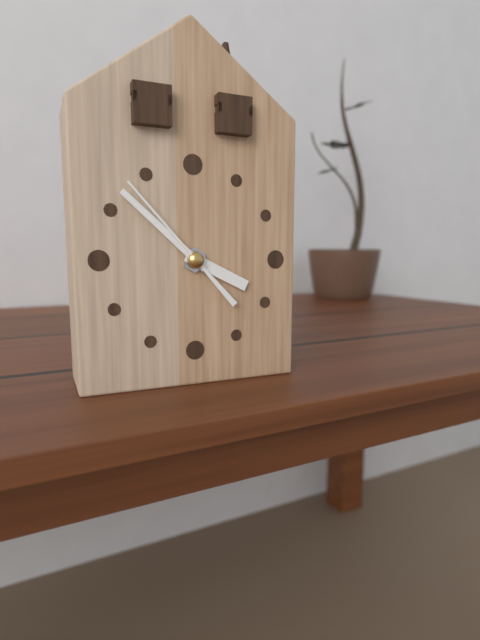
3:52:53
